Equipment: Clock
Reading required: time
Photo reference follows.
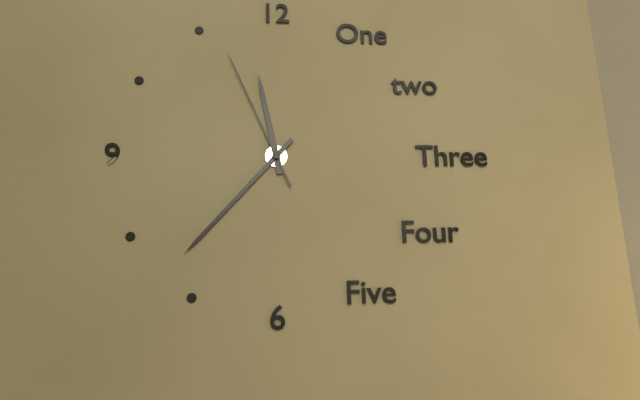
11:37:56
